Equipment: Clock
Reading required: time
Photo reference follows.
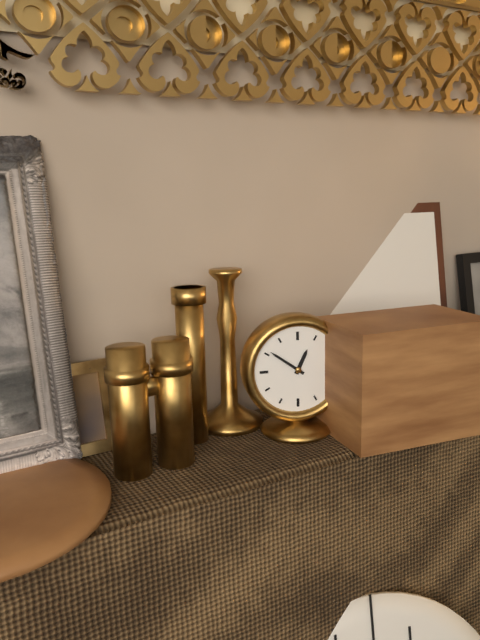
12:51
